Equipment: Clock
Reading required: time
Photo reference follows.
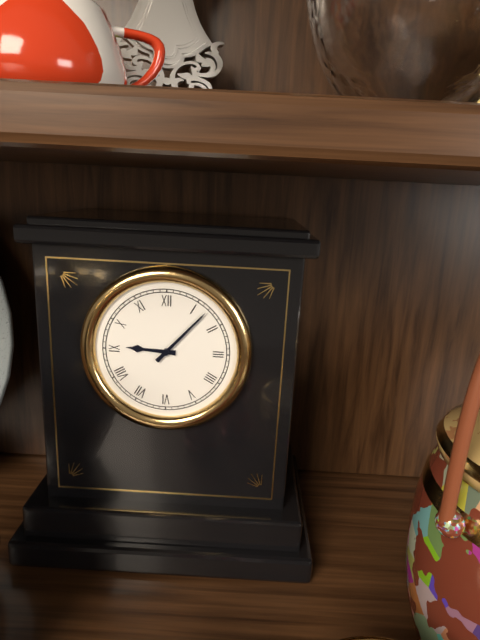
9:07
